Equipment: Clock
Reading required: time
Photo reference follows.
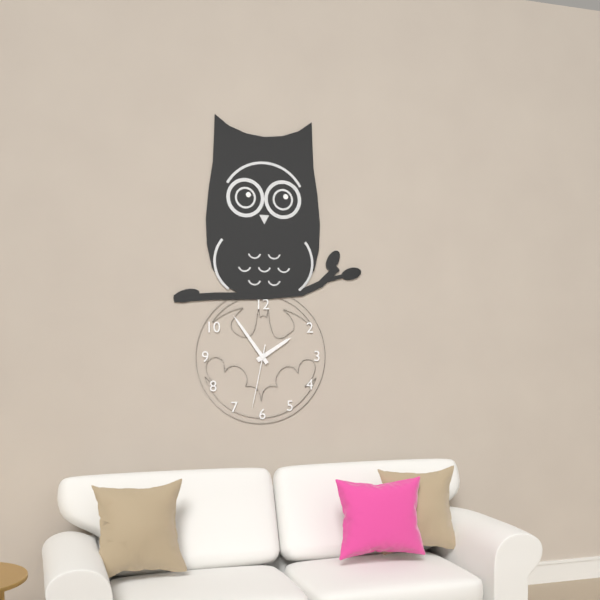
1:54:32
